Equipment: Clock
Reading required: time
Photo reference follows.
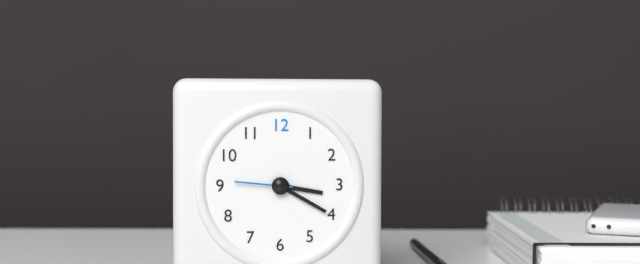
3:20:46
